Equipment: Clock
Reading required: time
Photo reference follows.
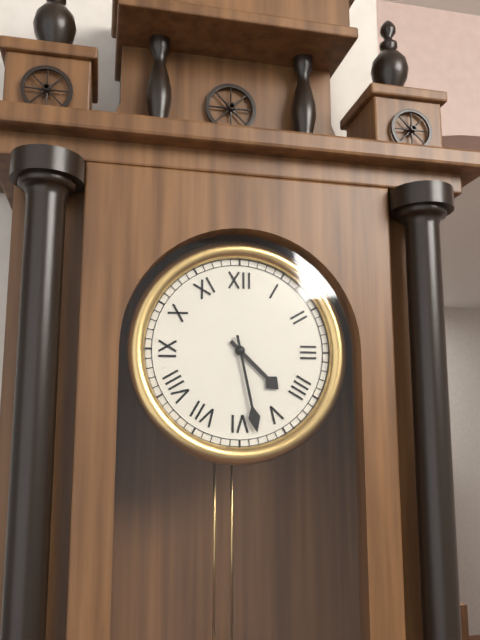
4:28
